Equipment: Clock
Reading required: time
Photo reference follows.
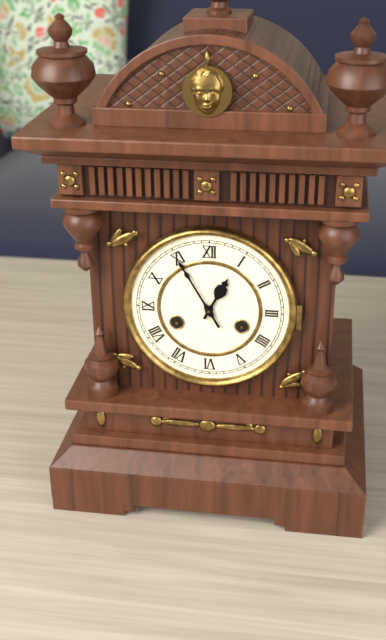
12:55
